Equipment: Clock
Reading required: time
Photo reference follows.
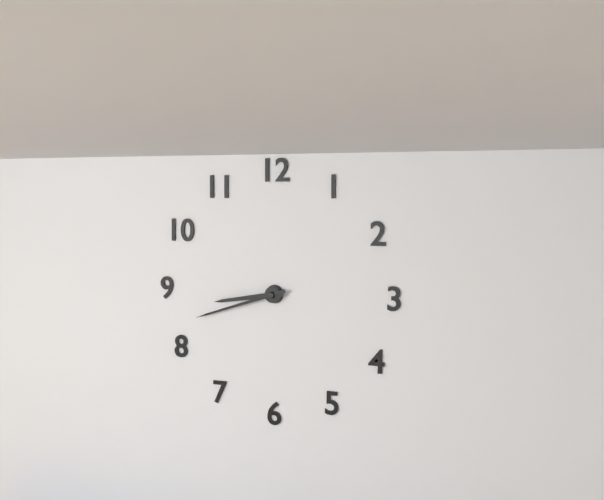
8:42
